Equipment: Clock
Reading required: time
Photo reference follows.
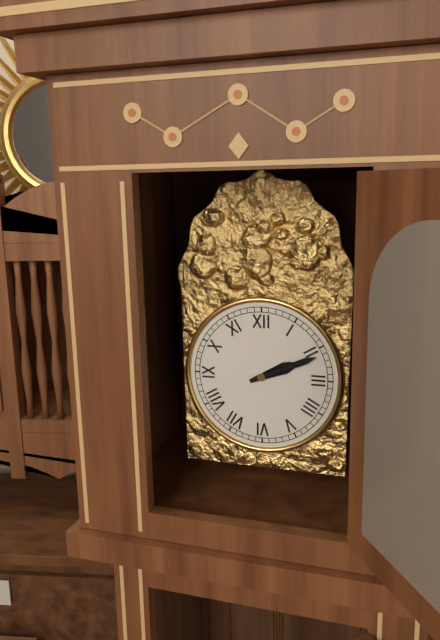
2:11
